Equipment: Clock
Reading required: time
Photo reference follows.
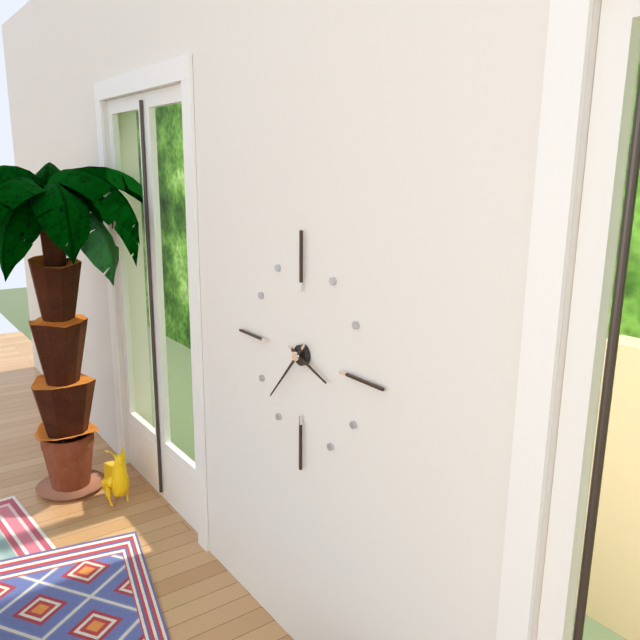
3:37
